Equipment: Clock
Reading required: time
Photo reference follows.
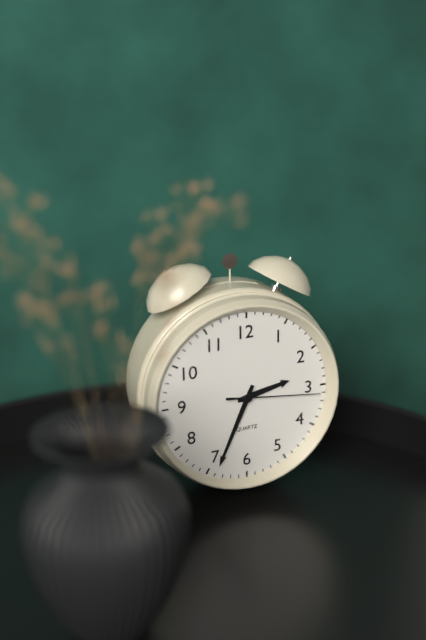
2:34:16
